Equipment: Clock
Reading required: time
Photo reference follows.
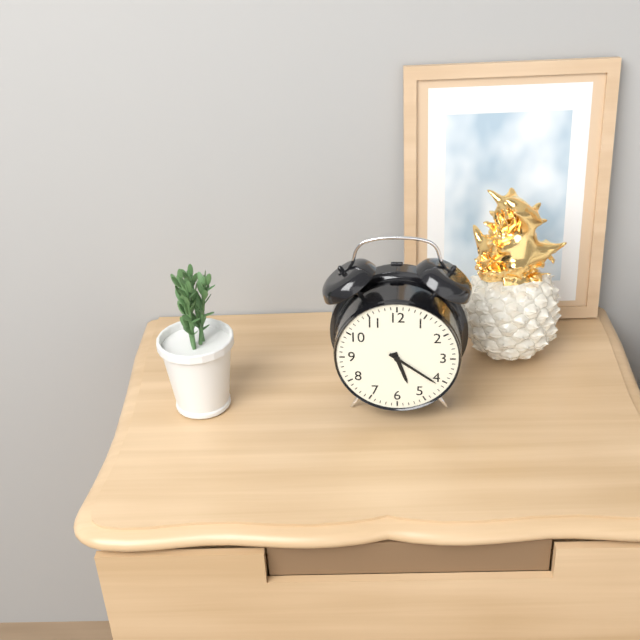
5:21
